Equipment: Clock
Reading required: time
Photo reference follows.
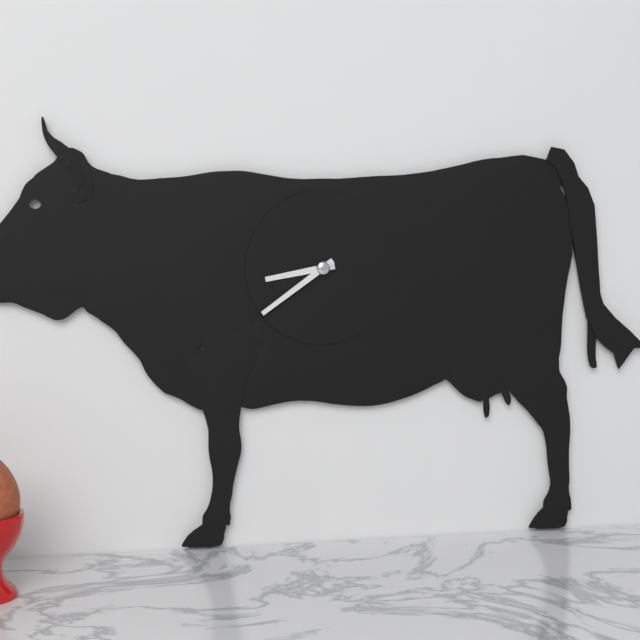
8:39
